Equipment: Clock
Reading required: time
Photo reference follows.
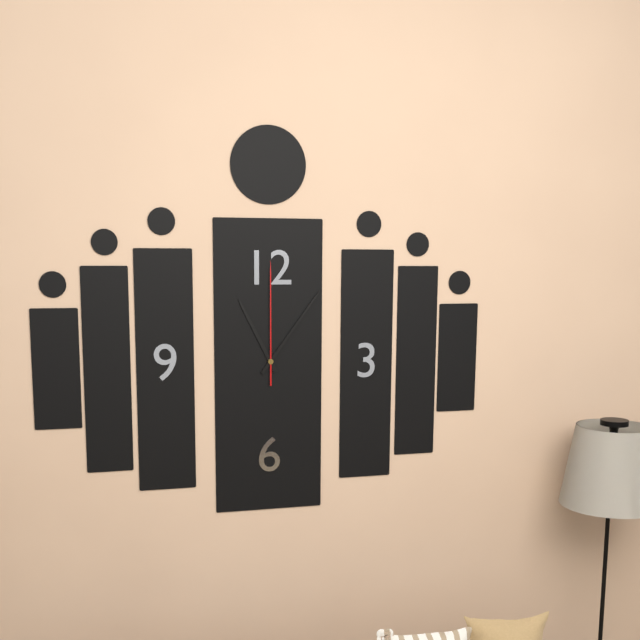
11:06:00
